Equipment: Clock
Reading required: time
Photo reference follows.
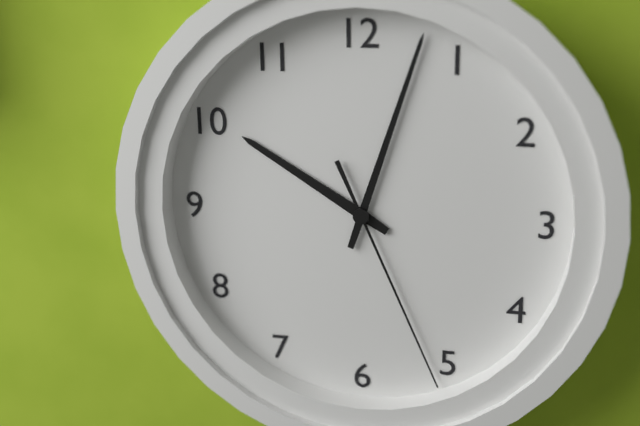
10:03:26
